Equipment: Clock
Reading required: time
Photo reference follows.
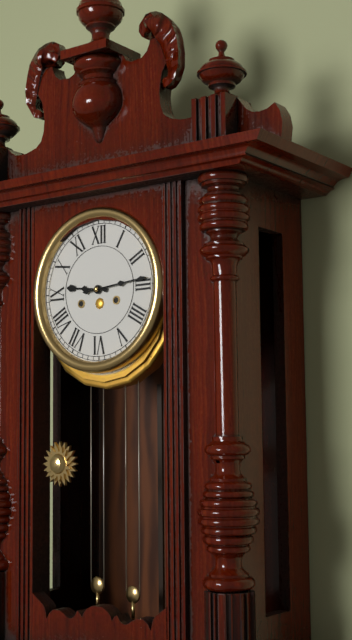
9:14
